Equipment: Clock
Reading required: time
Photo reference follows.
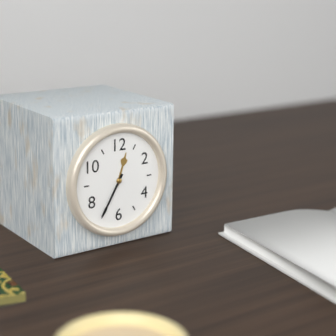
12:35
